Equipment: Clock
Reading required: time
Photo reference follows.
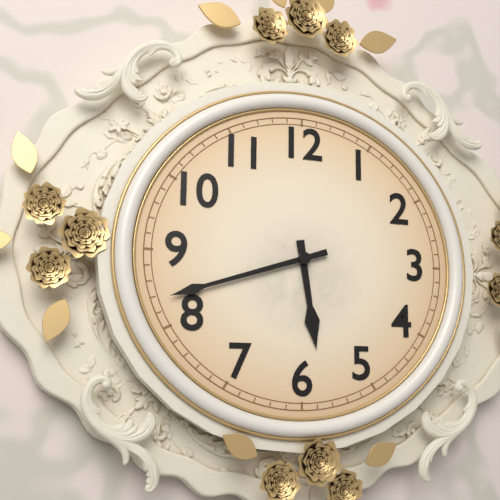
5:42
